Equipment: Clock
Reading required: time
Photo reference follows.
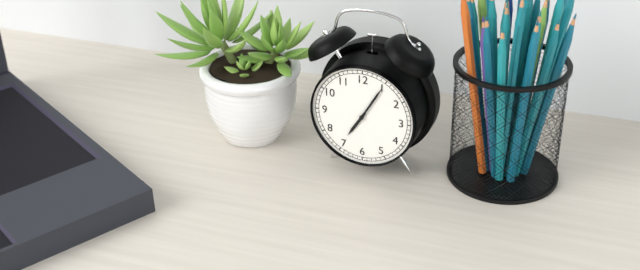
7:05
